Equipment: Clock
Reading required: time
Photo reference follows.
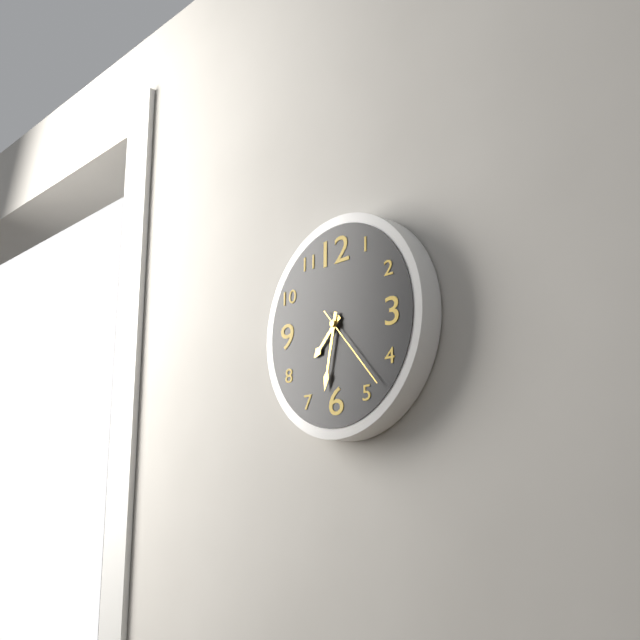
7:32:23
